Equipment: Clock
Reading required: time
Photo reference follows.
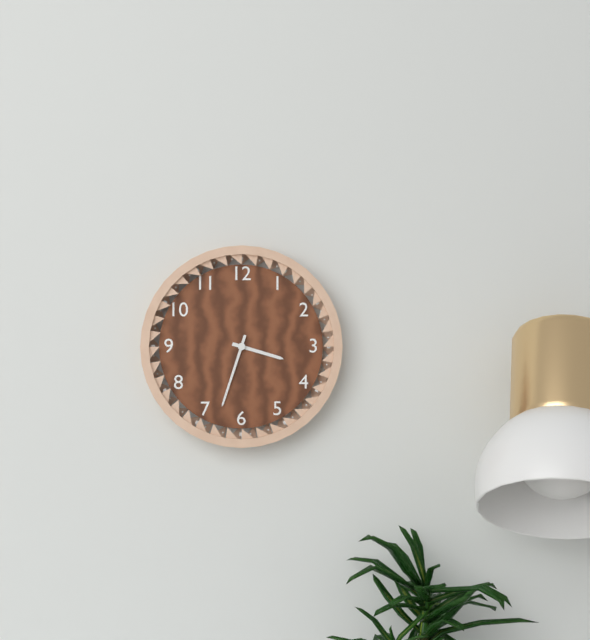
3:33
